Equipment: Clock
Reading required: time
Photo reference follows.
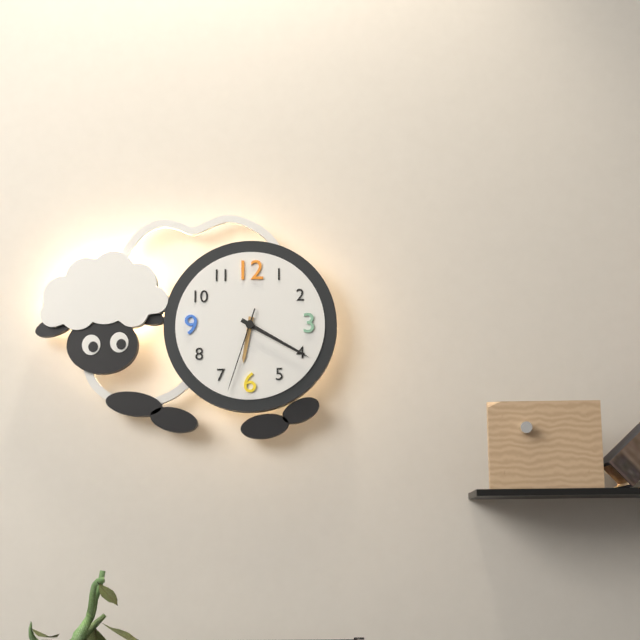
6:20:33
